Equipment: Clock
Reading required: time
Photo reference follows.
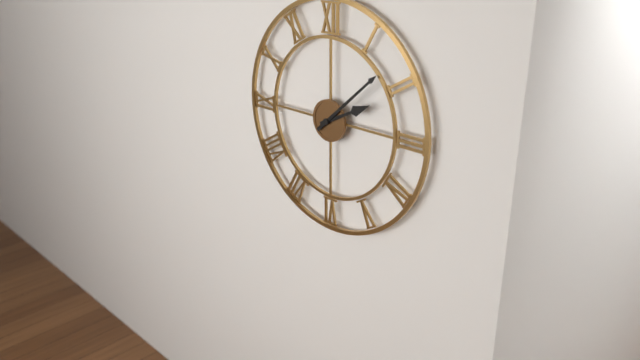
2:08
